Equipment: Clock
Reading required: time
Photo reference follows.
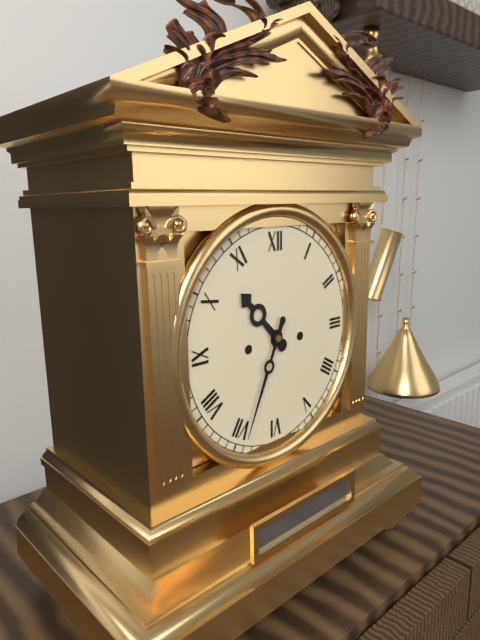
10:34
